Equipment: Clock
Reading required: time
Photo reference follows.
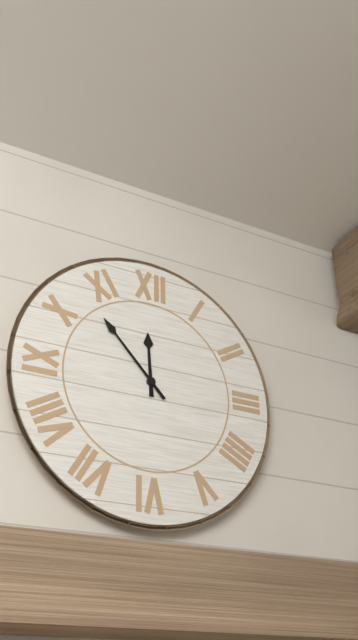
11:53
